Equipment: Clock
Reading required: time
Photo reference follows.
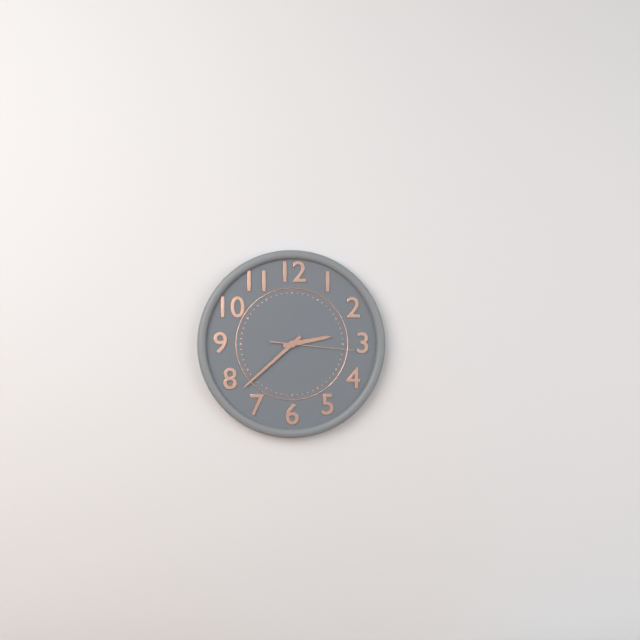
2:38:16
